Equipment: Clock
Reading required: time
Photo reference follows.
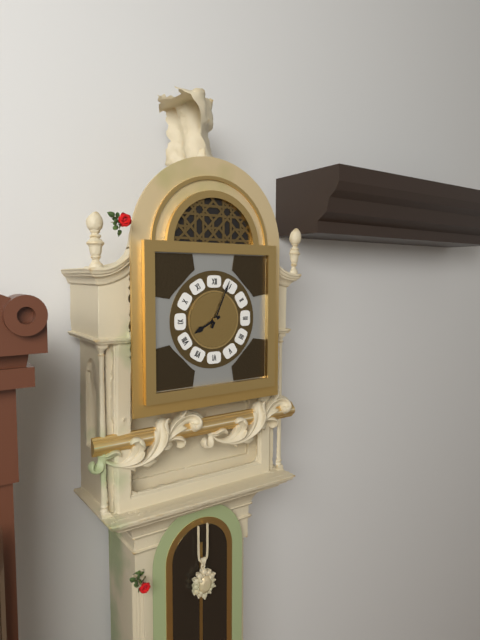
8:04
